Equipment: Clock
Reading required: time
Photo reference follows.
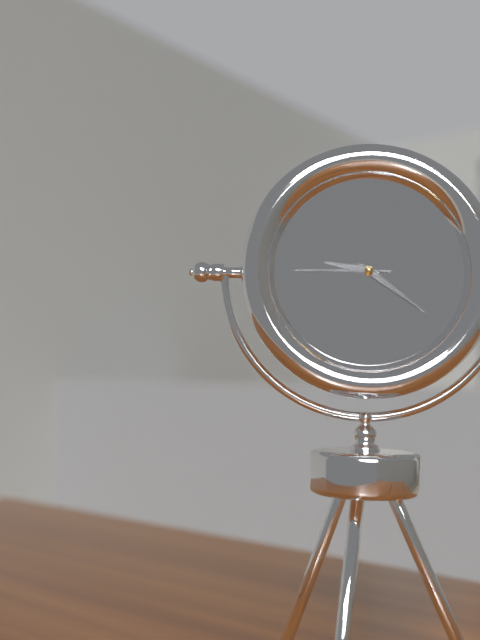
9:21:45
